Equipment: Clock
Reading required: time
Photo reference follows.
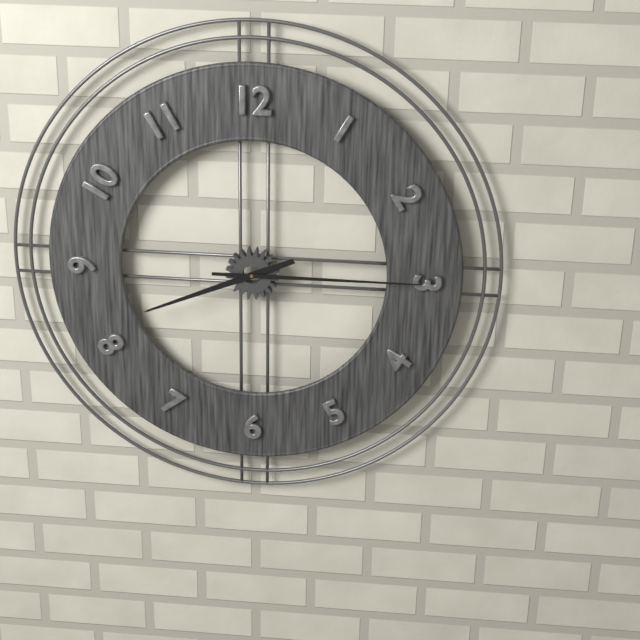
8:15
